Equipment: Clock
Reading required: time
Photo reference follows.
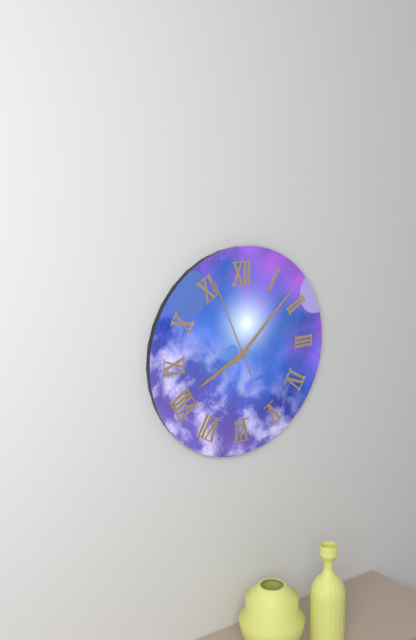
8:08:56
